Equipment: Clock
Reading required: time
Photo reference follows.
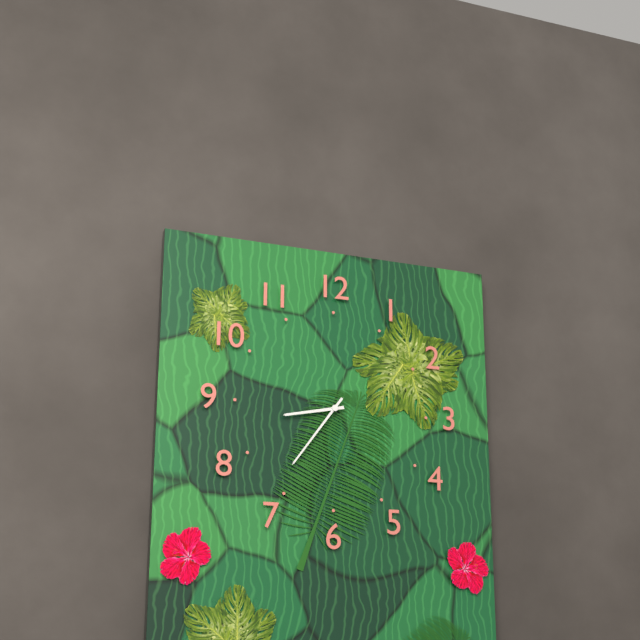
8:36
